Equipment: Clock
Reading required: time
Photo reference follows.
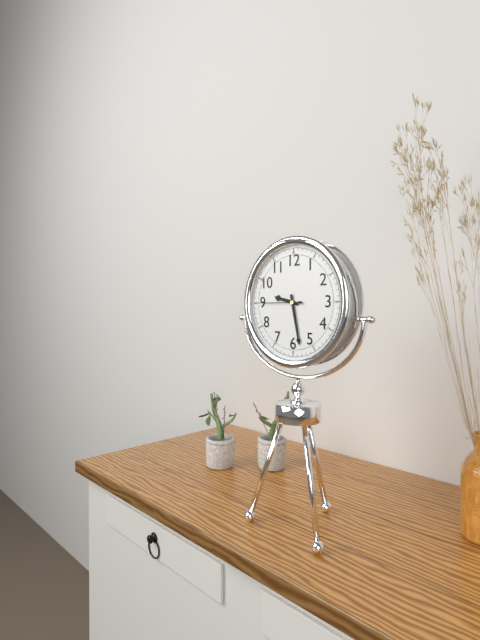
9:28
